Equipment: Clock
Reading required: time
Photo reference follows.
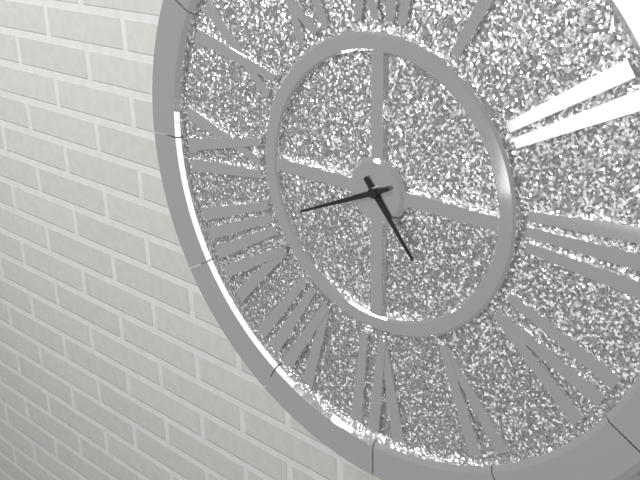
4:41
